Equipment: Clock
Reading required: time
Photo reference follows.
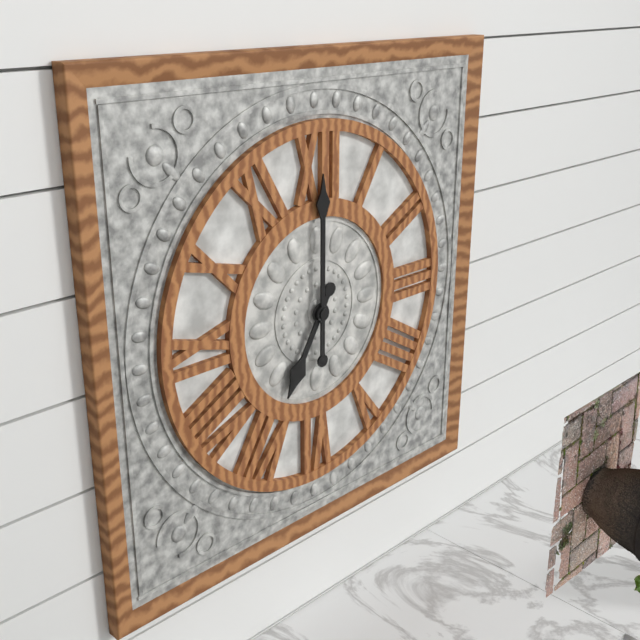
7:00
